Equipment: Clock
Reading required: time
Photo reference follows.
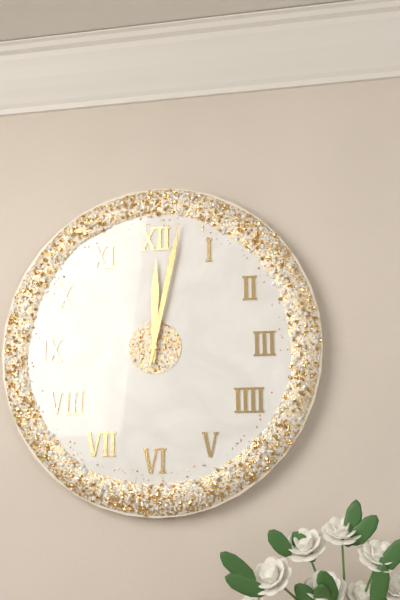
12:02
